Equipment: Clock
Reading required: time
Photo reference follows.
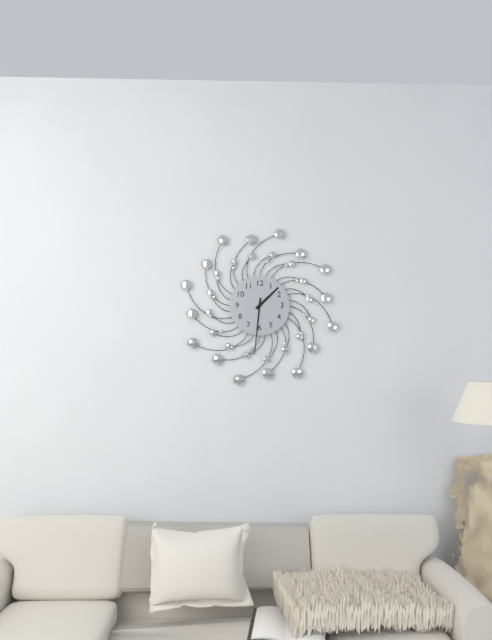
1:31
